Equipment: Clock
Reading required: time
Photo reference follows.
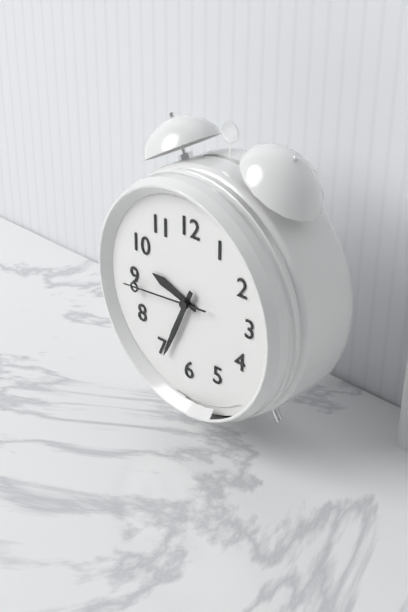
9:34:44
